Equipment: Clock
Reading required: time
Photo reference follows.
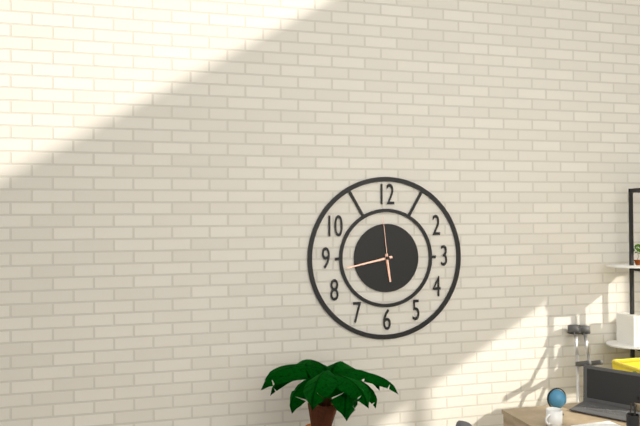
5:43:59
